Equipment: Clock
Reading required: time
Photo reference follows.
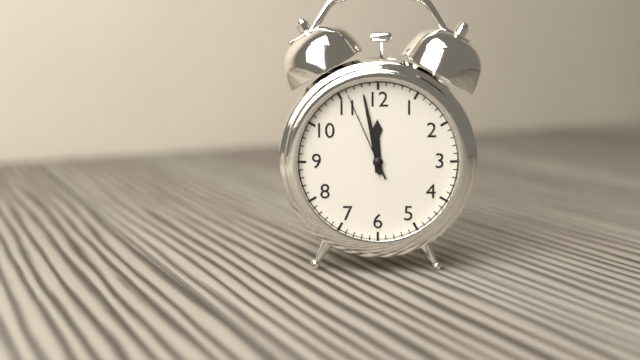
11:58:56
